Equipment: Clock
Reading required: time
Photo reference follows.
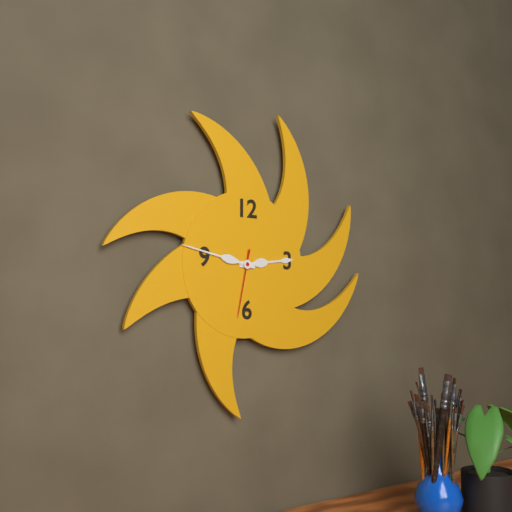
2:47:32
